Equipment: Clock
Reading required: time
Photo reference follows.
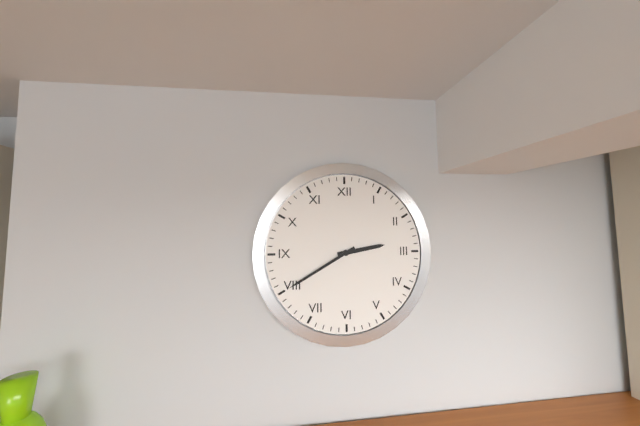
2:40
